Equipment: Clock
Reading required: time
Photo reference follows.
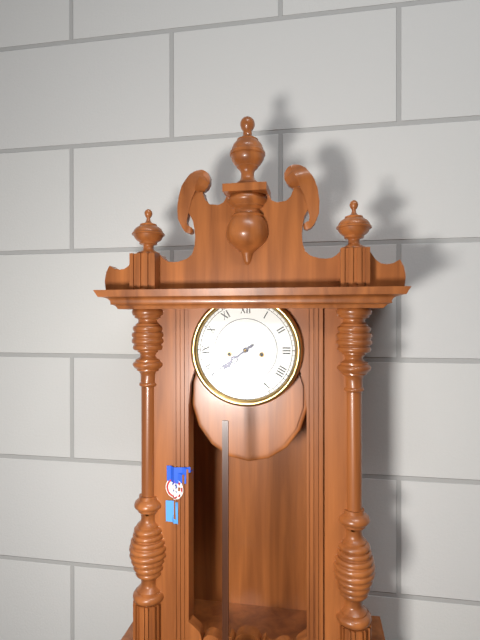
7:39
